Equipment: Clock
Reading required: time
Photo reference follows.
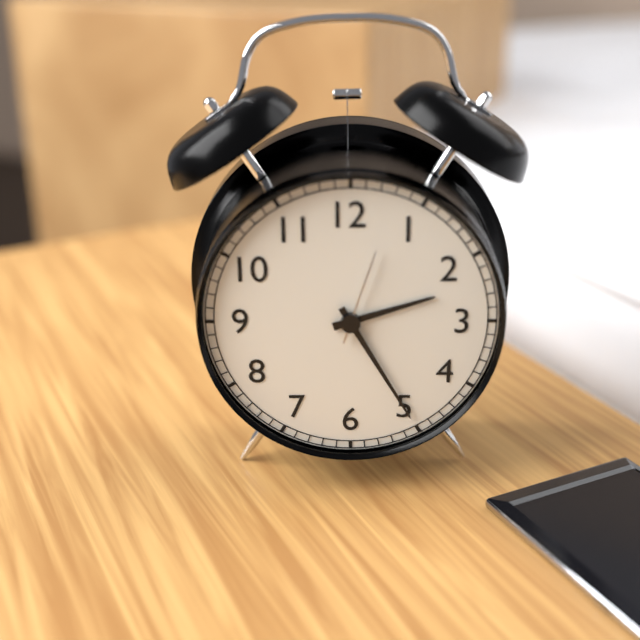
2:25:03
